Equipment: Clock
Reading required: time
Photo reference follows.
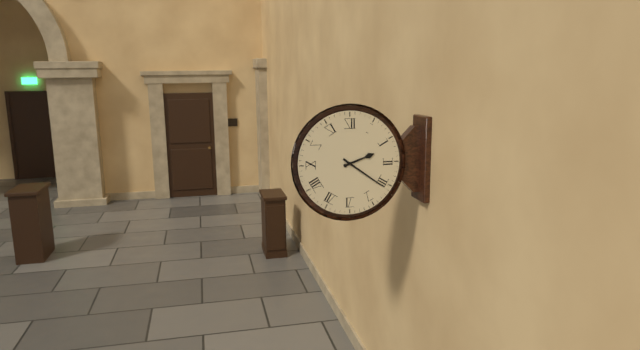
2:21
